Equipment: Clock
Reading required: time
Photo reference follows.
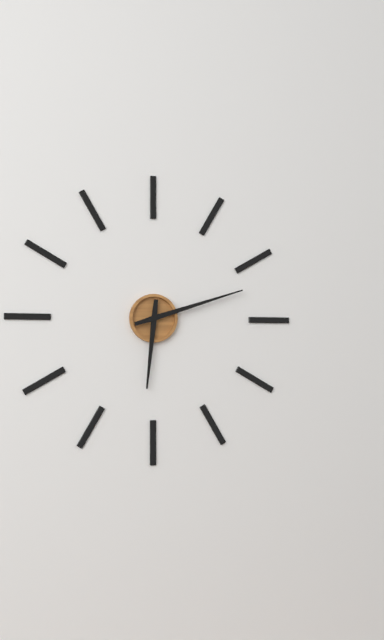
6:12
